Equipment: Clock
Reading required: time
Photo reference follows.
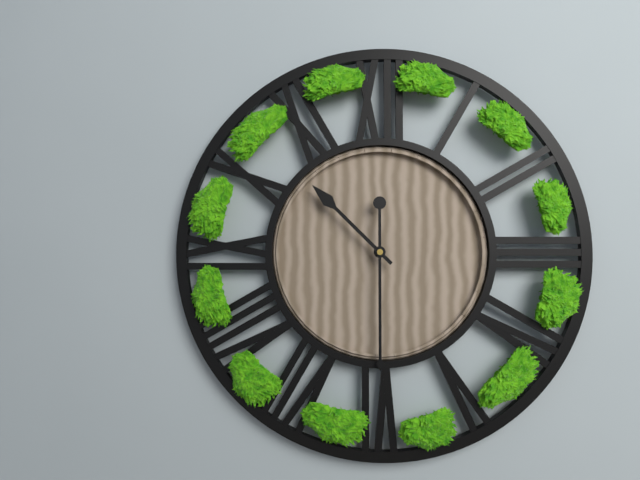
10:30
